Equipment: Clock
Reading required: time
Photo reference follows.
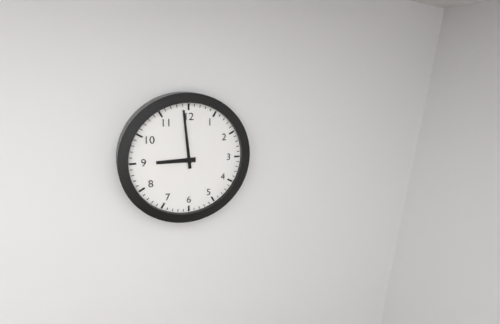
8:59
